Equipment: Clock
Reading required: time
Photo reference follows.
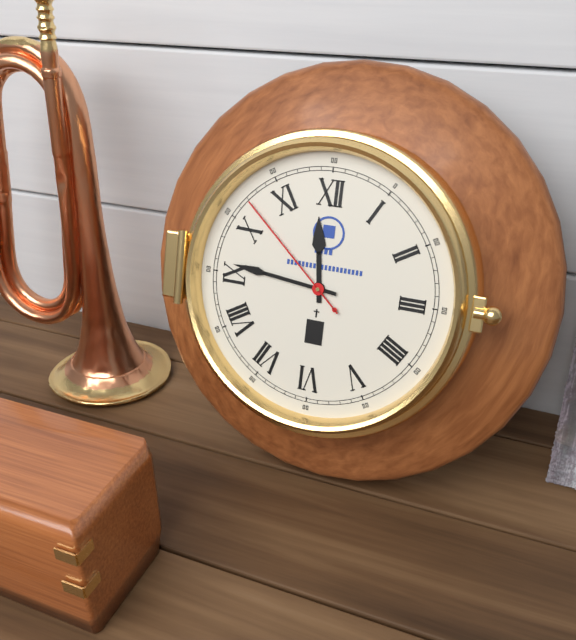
11:46:52
